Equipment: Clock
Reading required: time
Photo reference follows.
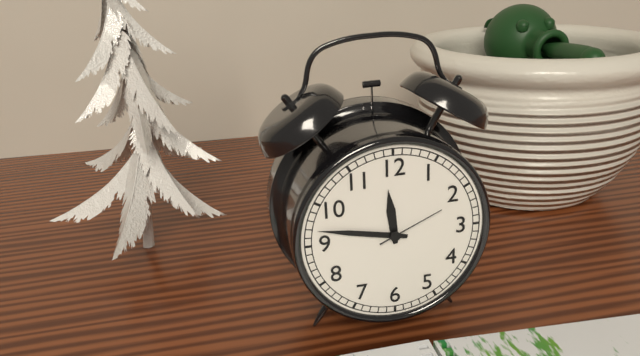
11:47:11
